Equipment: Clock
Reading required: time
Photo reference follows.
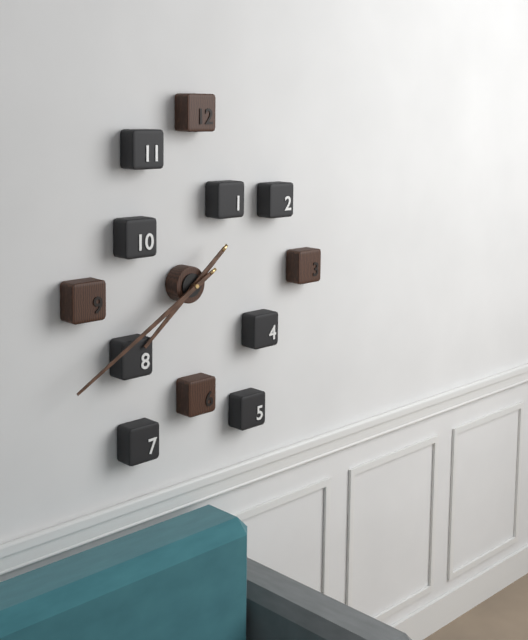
7:40
